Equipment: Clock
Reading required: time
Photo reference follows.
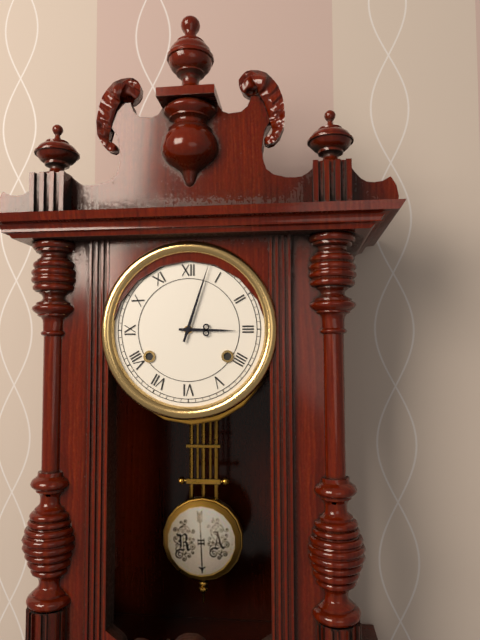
3:03
